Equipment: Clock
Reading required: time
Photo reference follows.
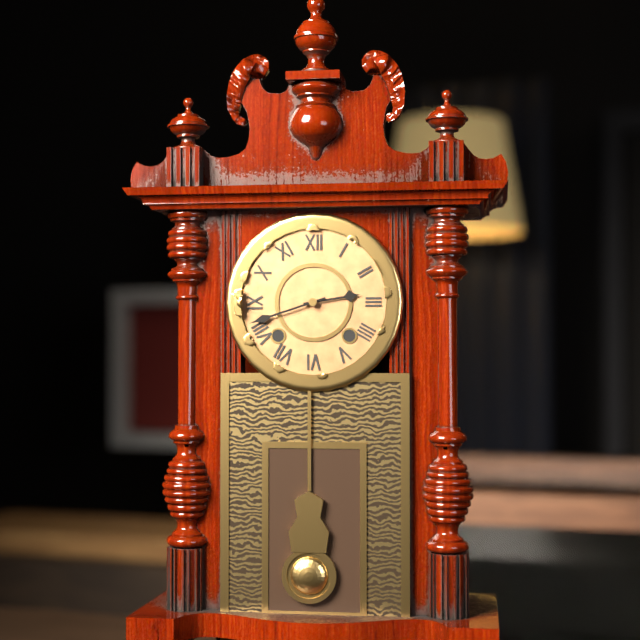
2:42
